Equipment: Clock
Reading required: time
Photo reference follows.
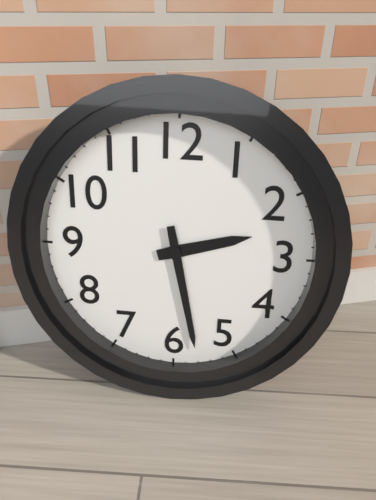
2:28
